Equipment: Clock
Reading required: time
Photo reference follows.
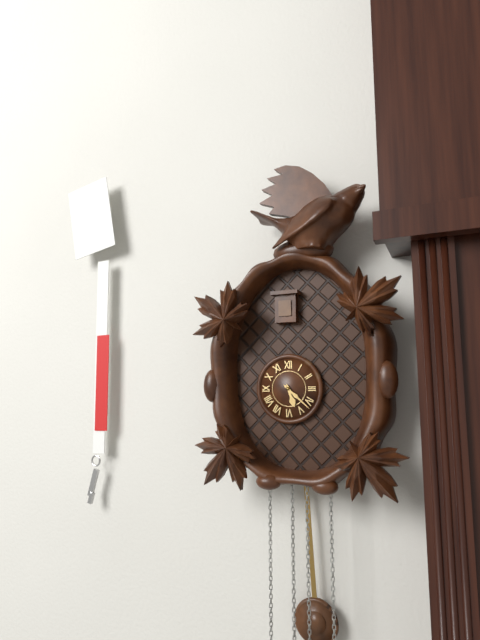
5:22
